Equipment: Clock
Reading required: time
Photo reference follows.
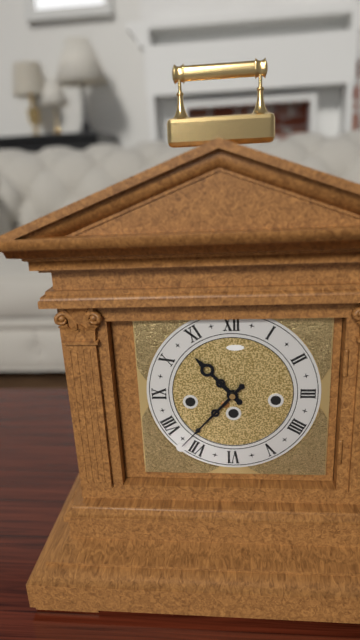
10:37
